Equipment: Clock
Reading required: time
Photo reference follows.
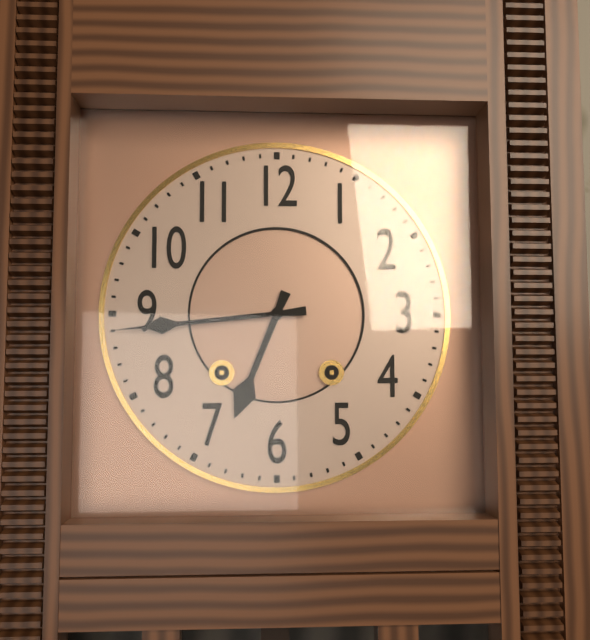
6:44
